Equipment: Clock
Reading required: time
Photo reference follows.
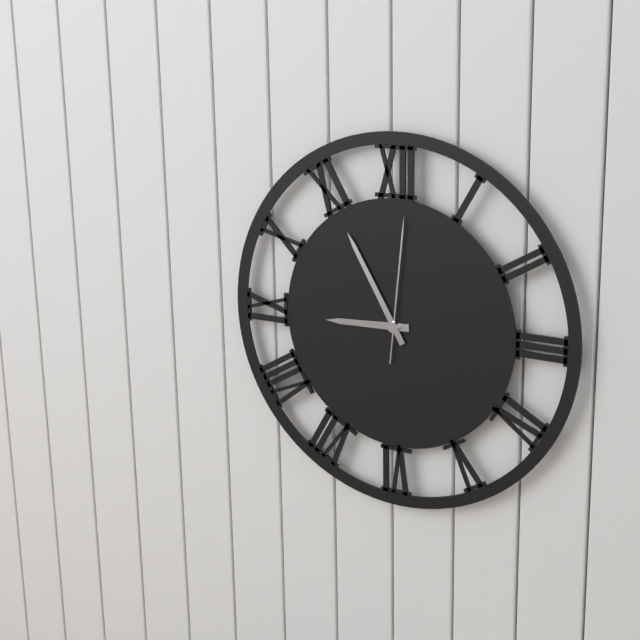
8:55:01
